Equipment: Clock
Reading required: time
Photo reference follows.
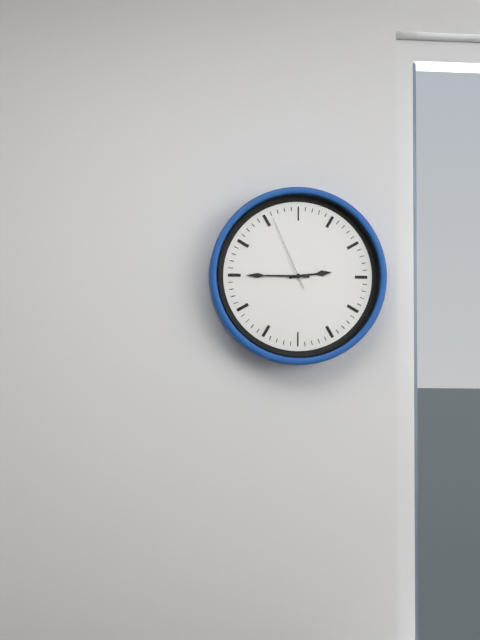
2:45:56
